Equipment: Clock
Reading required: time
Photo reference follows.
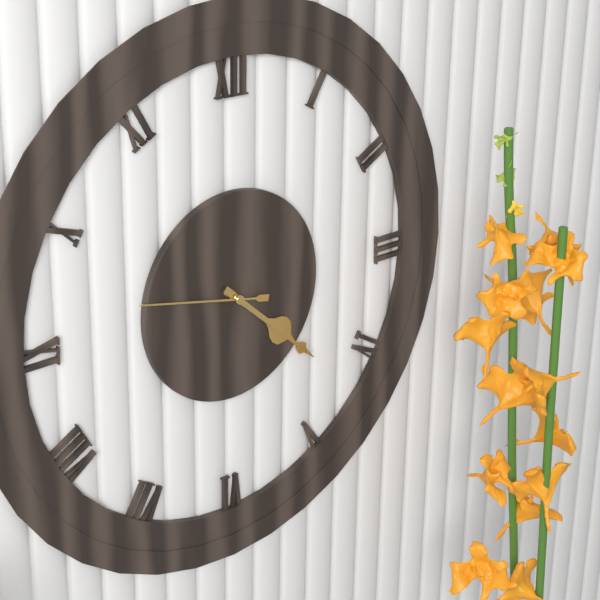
4:22:47
